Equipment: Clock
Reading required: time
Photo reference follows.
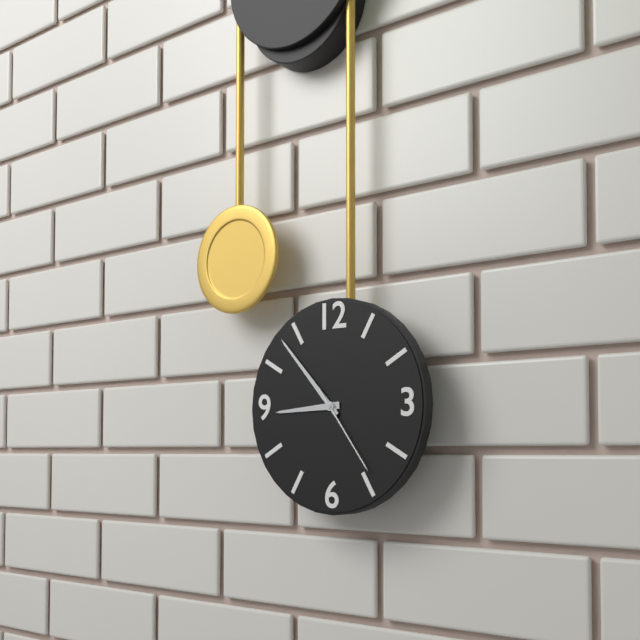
8:53:24
